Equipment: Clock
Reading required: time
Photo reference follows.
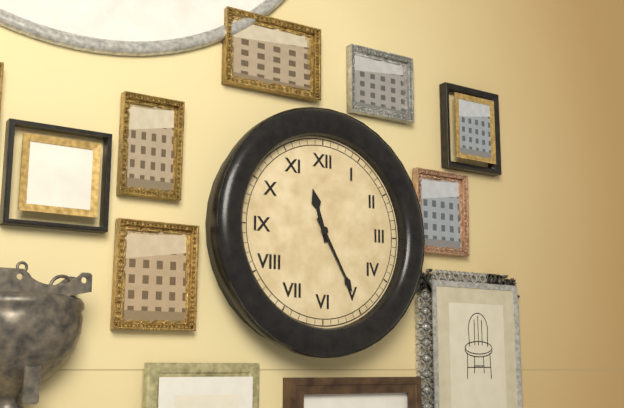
11:25
